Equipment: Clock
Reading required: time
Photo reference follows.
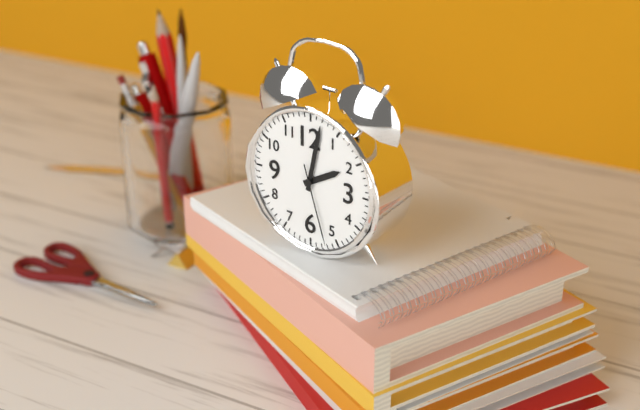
2:02:27
